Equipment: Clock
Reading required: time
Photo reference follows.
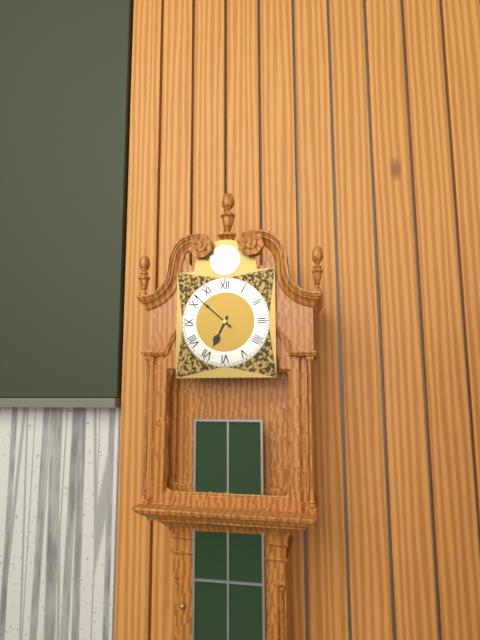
6:52
